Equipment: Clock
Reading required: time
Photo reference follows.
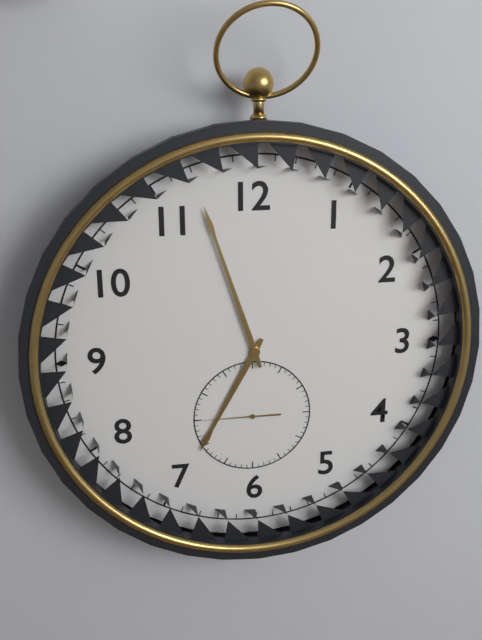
6:57:45
